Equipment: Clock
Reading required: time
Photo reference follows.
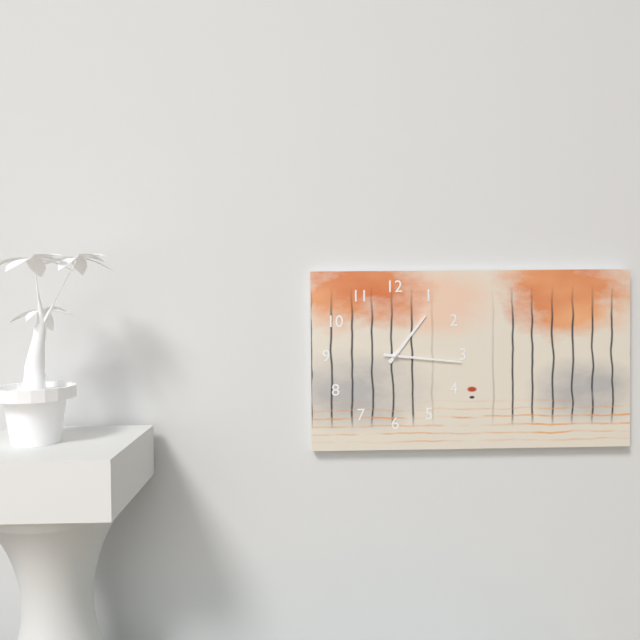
1:16
